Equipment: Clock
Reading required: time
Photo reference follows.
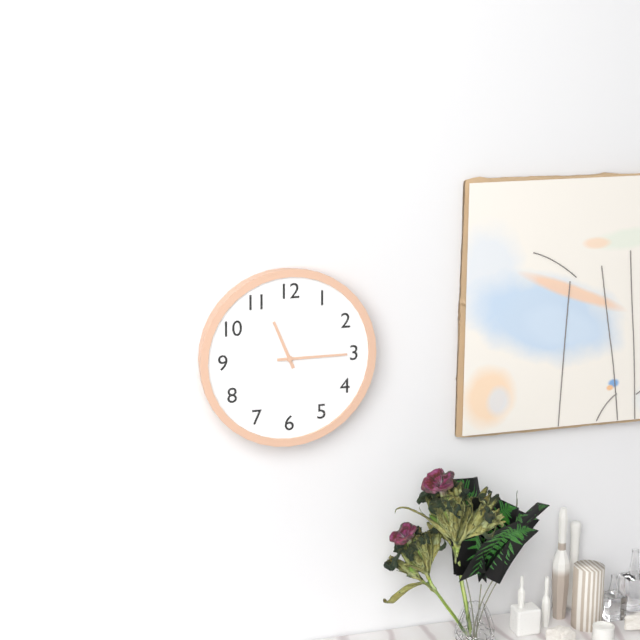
11:15
